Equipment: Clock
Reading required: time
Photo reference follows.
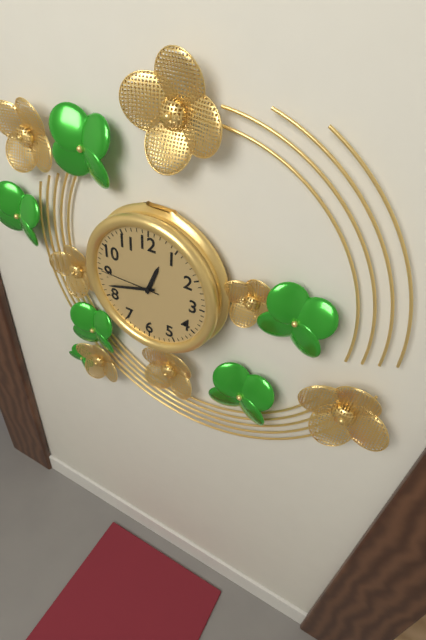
12:42:45
